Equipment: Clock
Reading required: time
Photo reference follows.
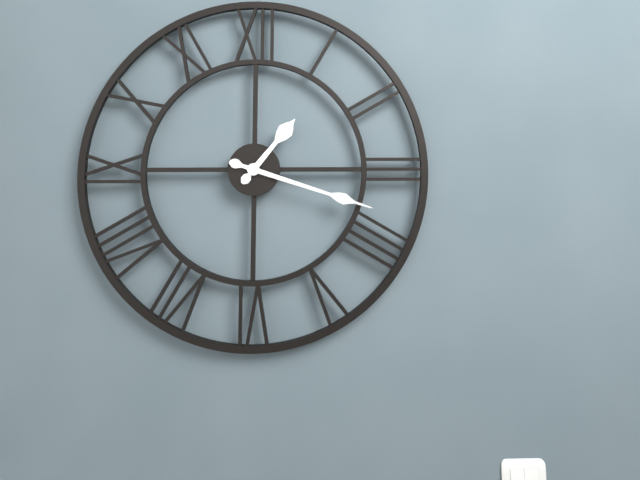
1:18
